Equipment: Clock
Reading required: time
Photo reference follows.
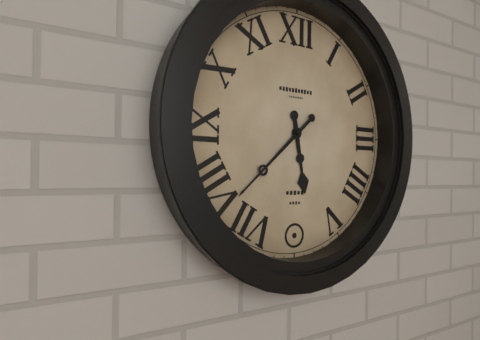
5:38
